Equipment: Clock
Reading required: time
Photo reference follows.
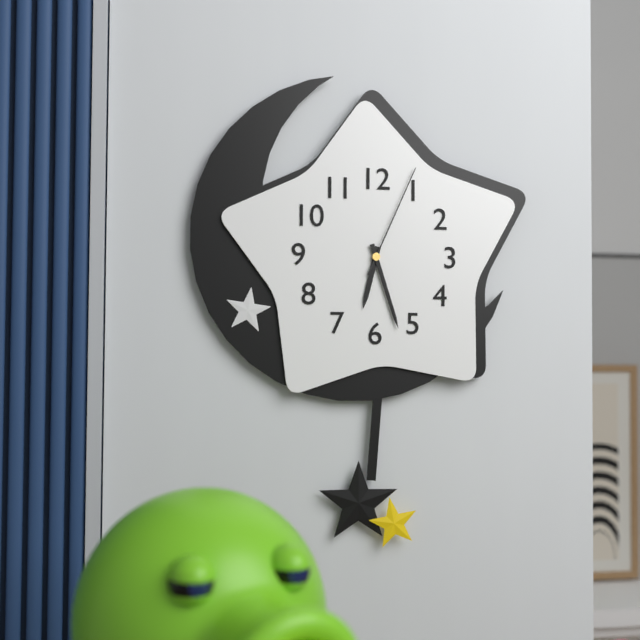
6:27:04
